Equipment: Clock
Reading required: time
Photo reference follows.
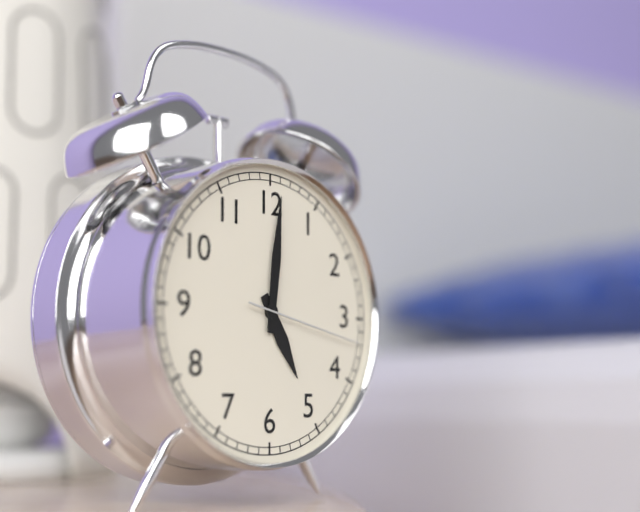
5:01:17
